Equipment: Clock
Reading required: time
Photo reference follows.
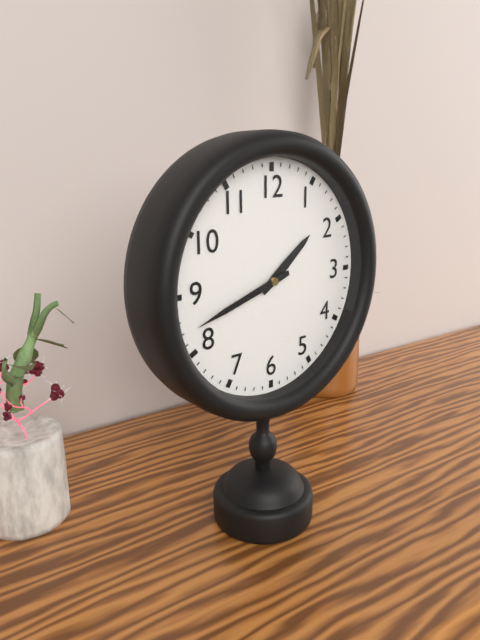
1:42
